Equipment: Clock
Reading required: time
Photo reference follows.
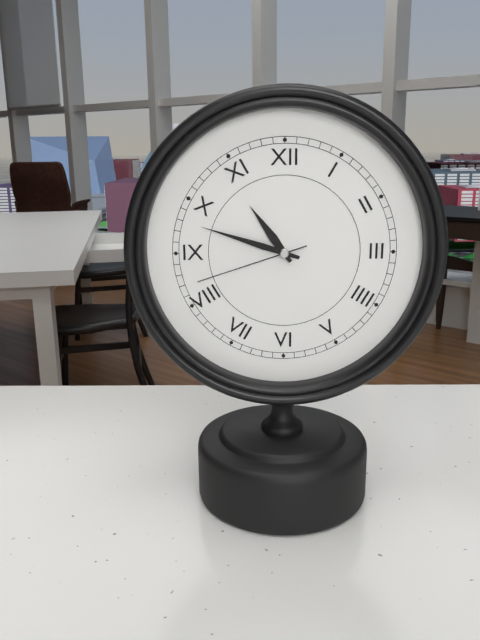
10:48:42
